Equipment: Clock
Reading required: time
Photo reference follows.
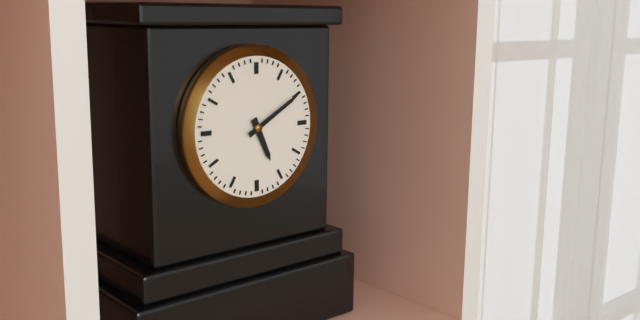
5:10
